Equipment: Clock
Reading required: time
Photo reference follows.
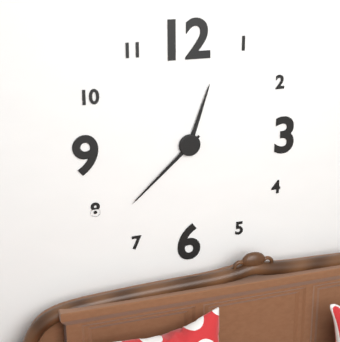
12:38
